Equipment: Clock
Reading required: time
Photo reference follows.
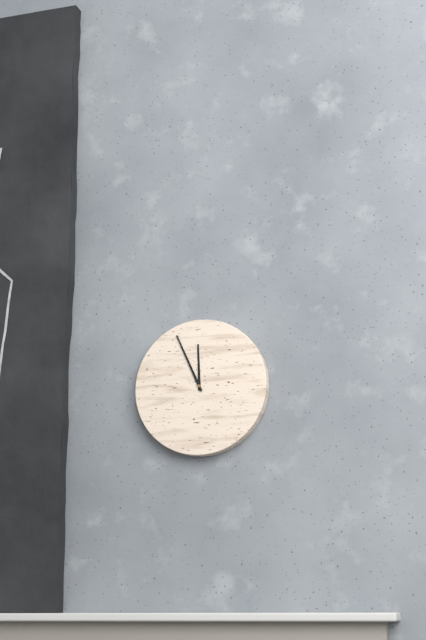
11:56
